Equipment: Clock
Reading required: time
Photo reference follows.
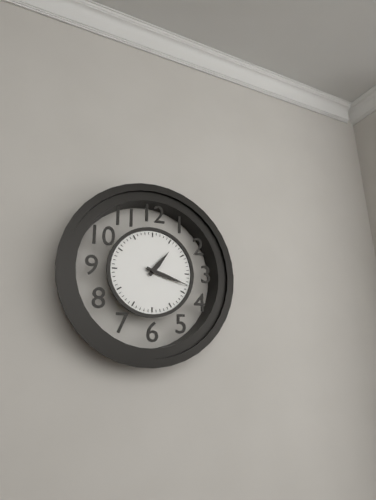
1:18
